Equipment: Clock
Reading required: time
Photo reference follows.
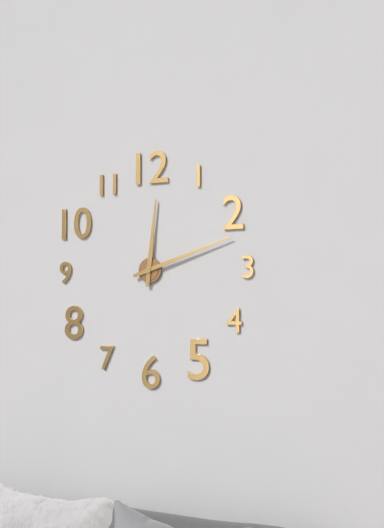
12:12
